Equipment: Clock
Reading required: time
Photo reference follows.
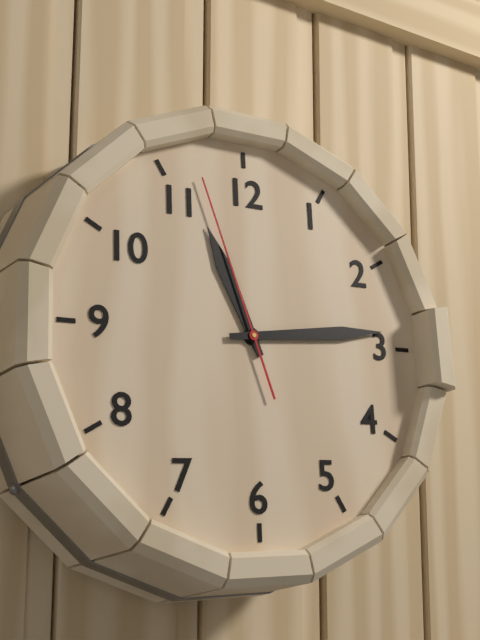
11:14:57
